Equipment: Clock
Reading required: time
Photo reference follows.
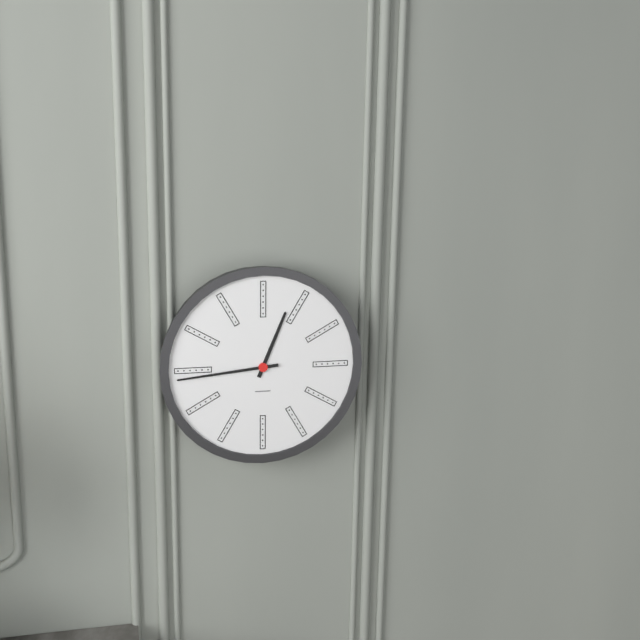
12:44
